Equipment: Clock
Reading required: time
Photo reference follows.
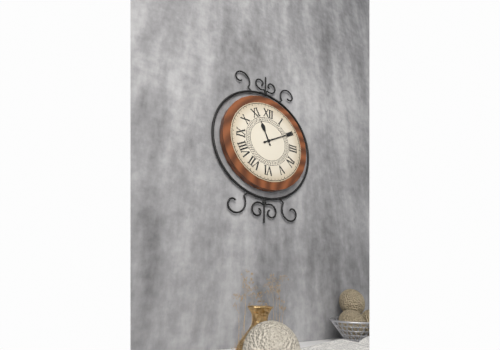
11:10
